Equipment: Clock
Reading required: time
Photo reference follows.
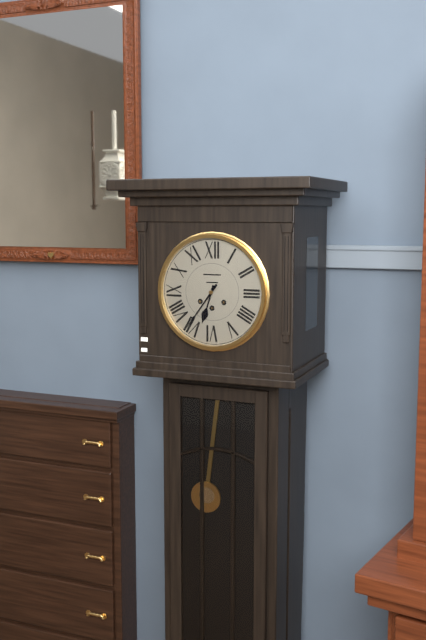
6:36
